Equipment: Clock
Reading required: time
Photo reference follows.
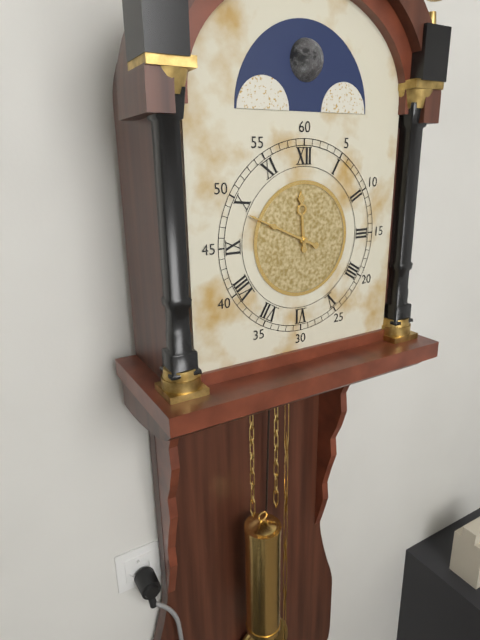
11:49
